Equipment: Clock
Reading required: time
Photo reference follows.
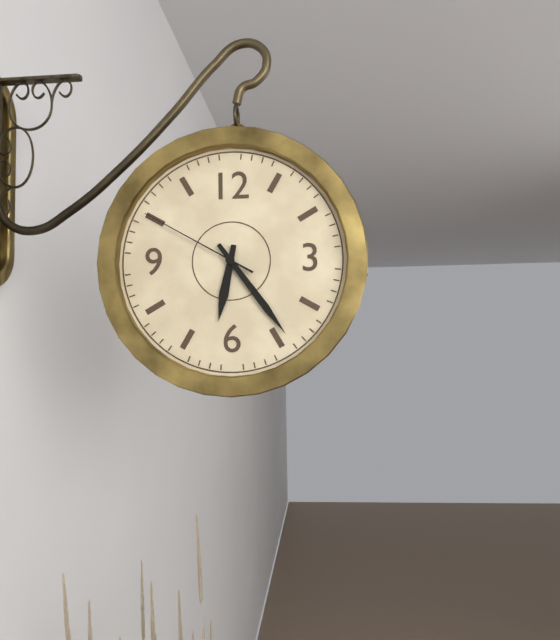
6:24:50
